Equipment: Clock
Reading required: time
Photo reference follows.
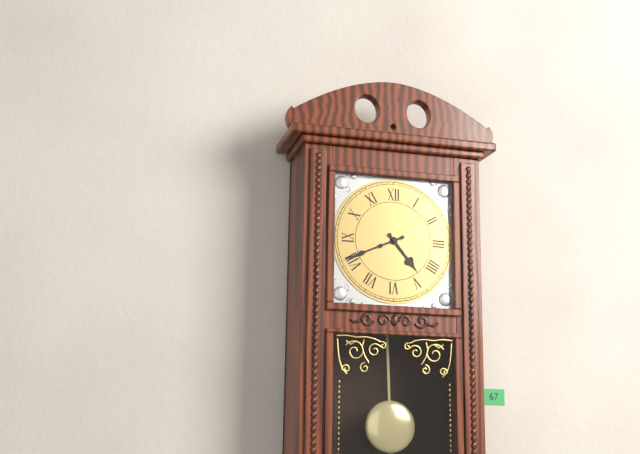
4:41
